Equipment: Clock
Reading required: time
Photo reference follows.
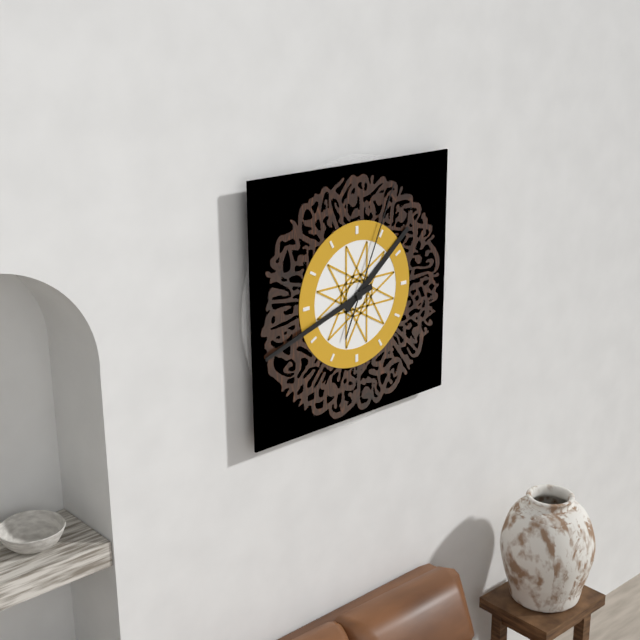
1:42:04
